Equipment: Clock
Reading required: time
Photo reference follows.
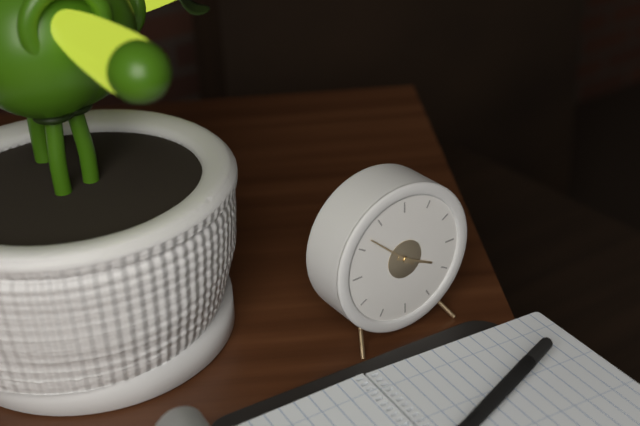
3:52
